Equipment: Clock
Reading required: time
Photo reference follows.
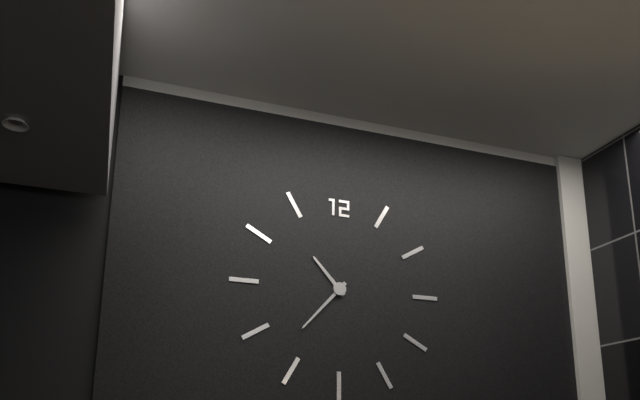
10:37
